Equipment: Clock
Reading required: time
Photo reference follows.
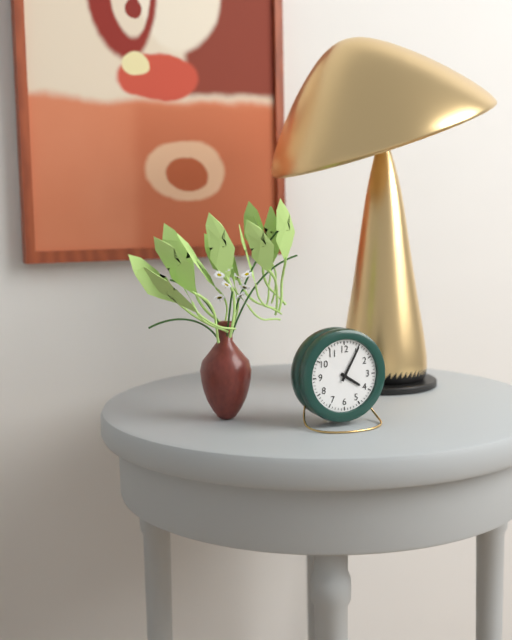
4:05
